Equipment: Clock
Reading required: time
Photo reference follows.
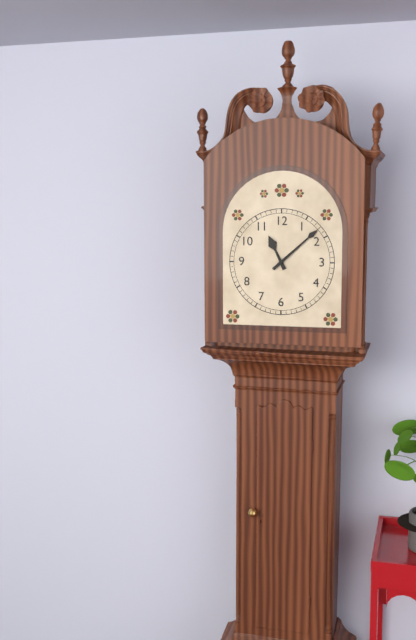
11:08
